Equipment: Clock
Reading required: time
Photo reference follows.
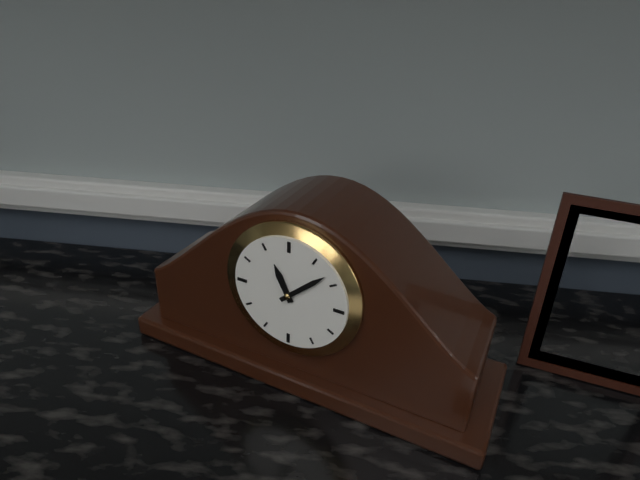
11:08
